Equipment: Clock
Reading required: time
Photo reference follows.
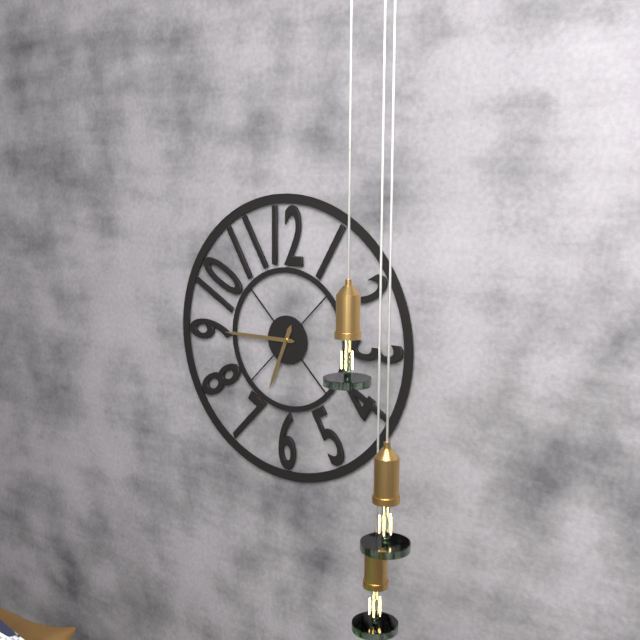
6:45
